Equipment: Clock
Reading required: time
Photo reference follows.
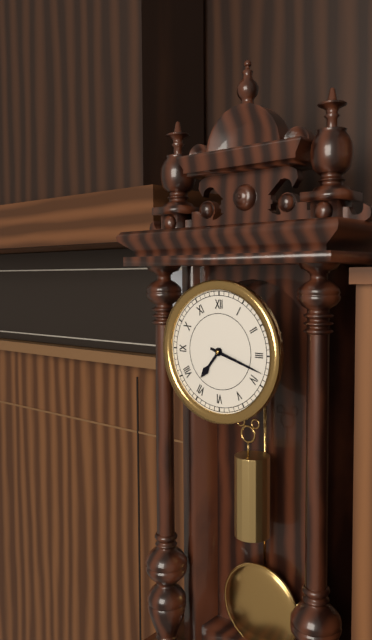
7:18
